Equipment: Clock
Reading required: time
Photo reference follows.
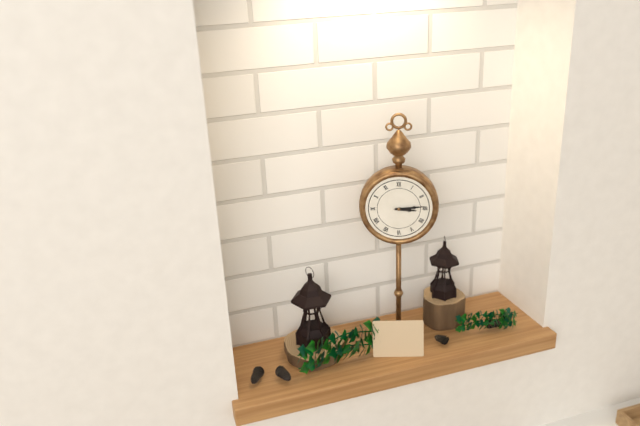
3:14
